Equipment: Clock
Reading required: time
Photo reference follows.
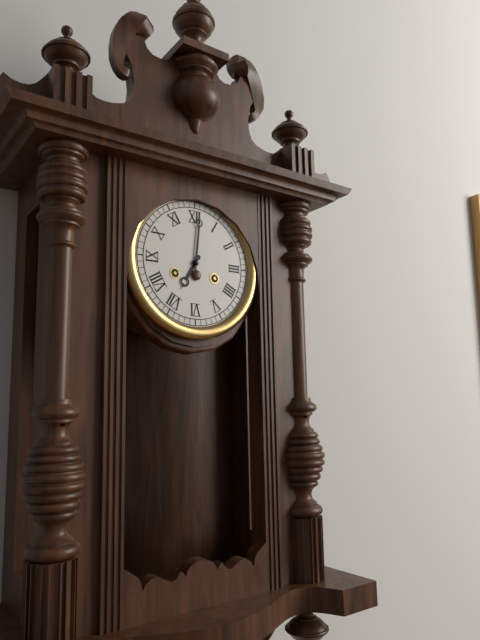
7:01
